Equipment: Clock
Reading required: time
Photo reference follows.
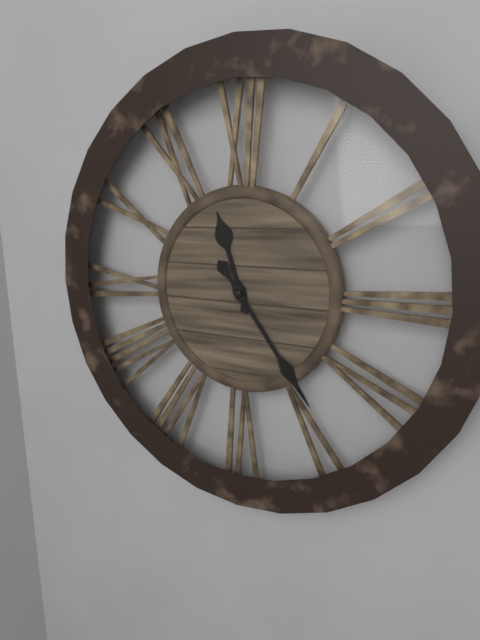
11:24
